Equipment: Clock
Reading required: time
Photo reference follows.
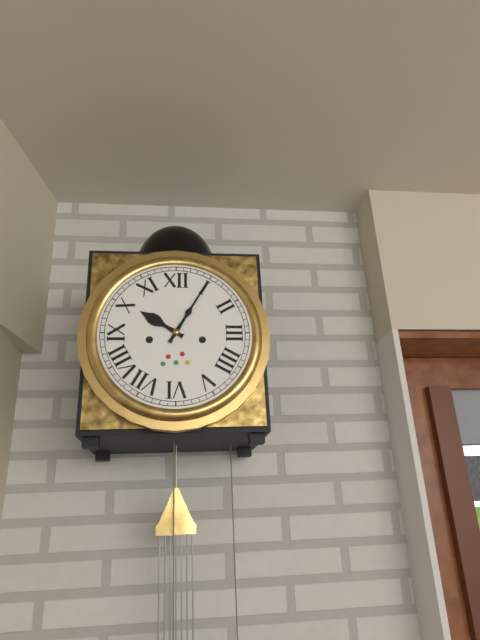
10:05
